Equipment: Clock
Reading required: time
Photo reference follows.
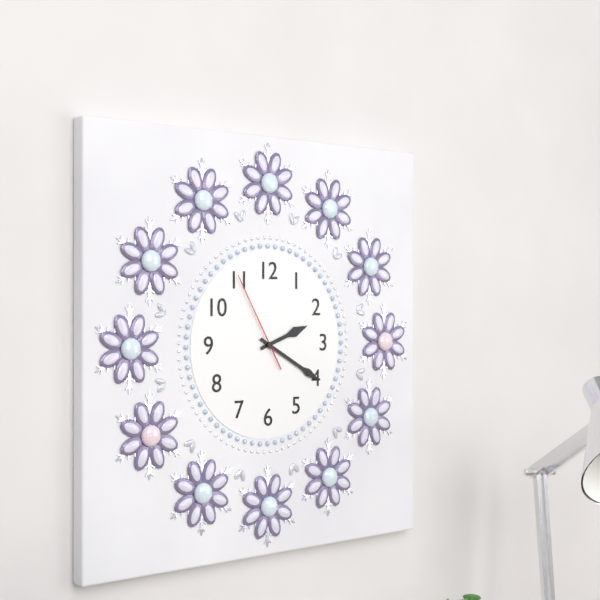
2:20:55
